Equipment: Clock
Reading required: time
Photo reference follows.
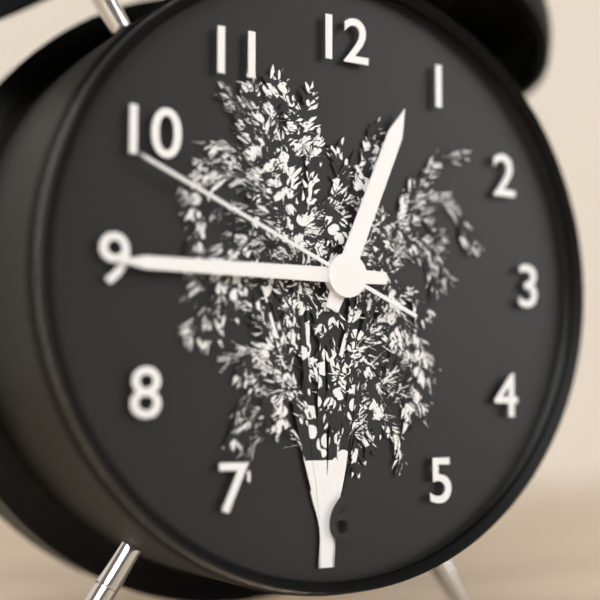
12:45:49
